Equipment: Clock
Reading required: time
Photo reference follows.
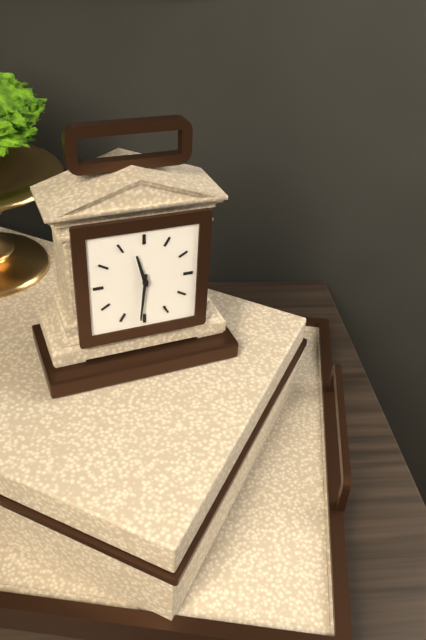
11:31
